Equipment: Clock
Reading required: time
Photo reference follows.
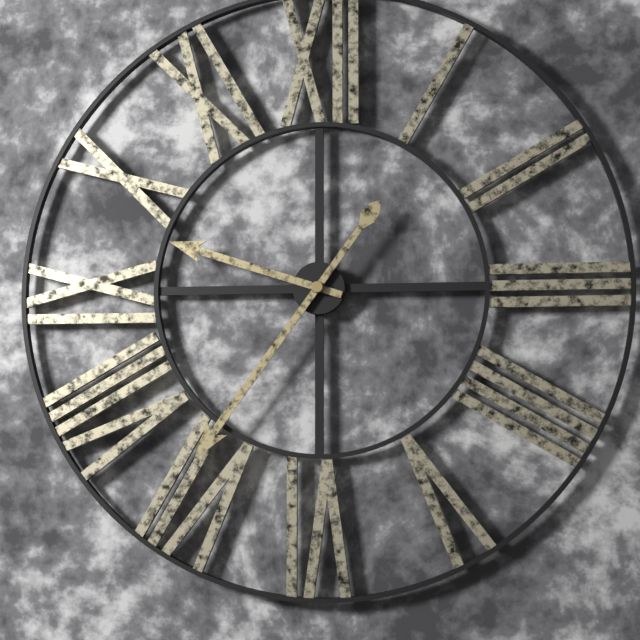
9:36
